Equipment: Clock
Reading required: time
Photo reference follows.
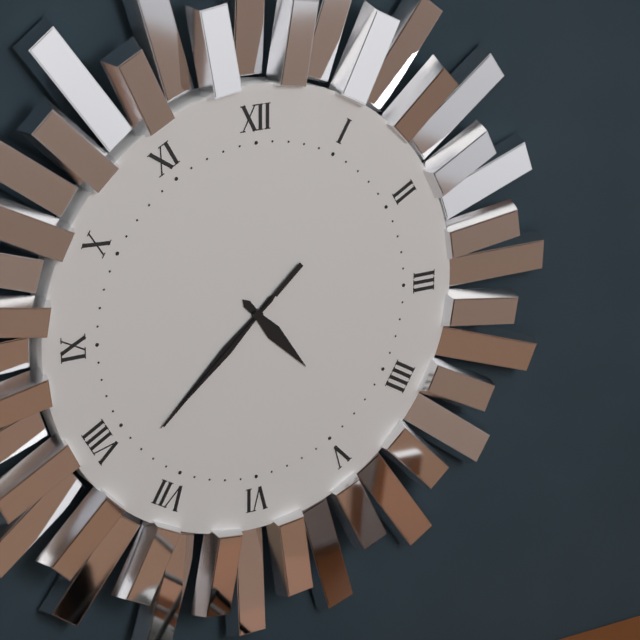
4:38:38
